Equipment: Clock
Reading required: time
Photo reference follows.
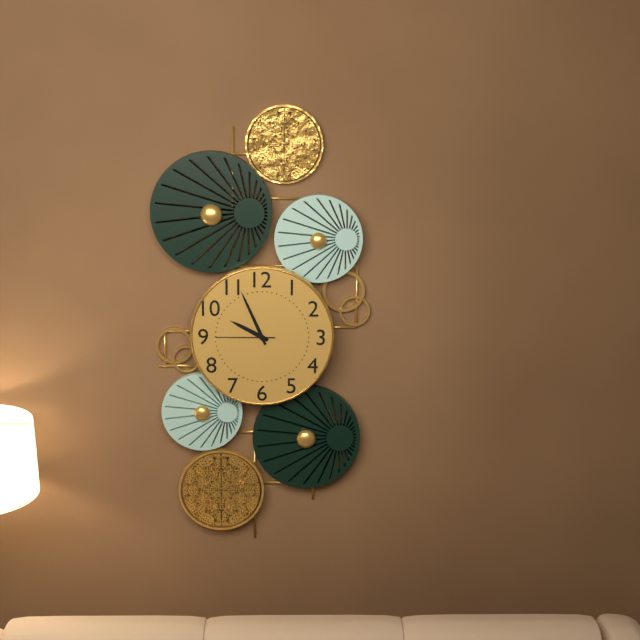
9:56:45
